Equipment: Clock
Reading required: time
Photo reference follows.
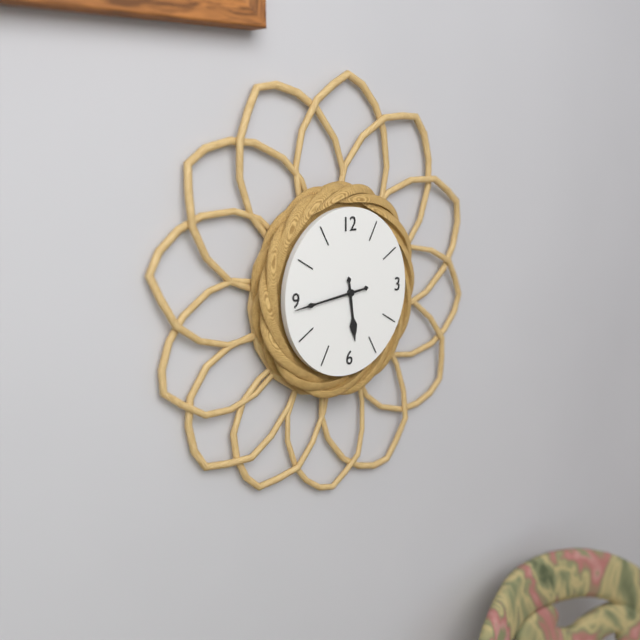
5:44
